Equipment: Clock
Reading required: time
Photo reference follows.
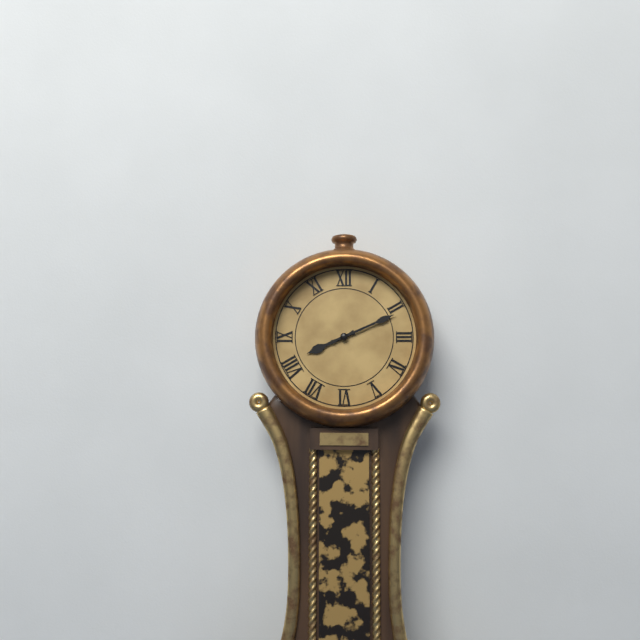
8:11
